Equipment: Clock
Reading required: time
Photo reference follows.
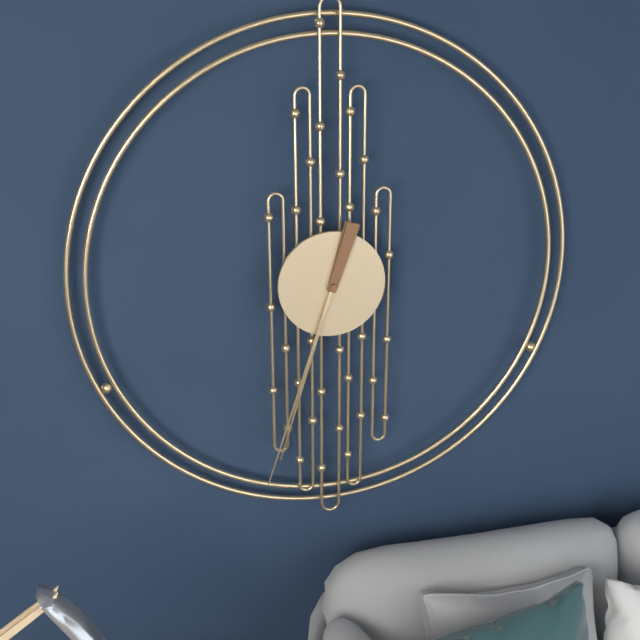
6:33
